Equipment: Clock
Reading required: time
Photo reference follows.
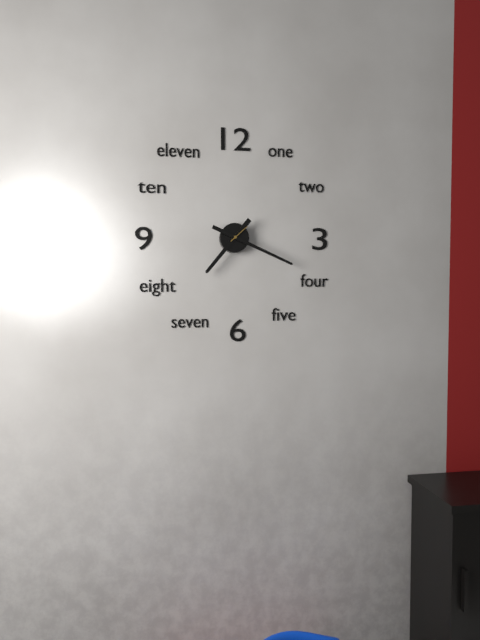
7:19
